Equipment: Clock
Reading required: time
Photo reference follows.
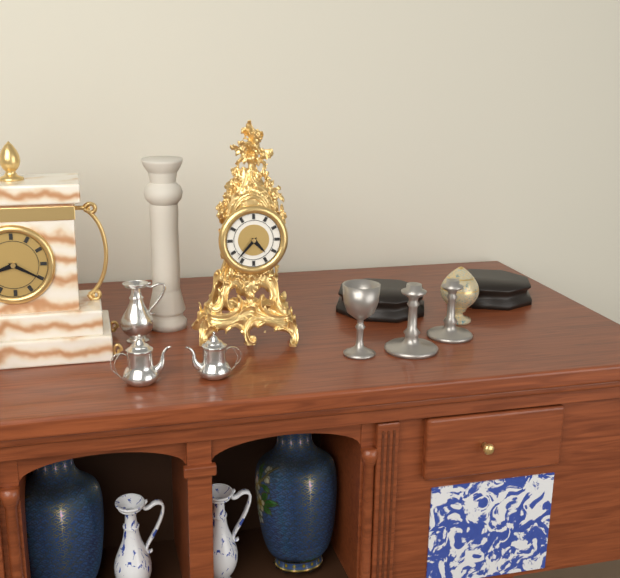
4:37
